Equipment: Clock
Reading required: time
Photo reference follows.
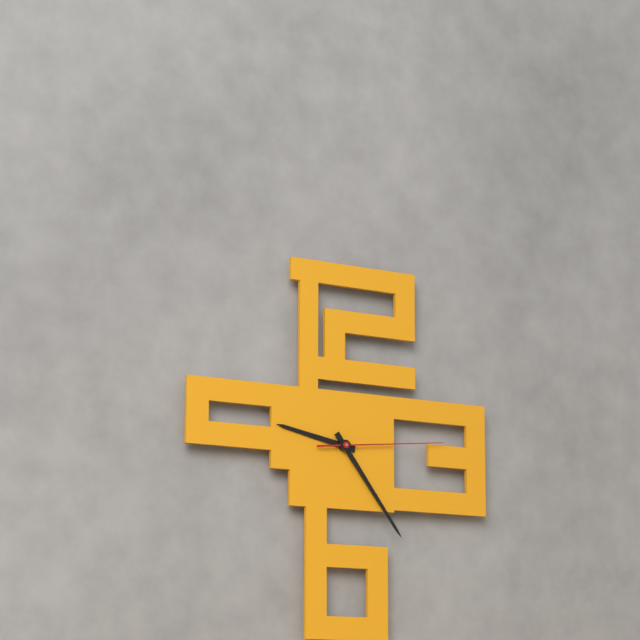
9:24:14
